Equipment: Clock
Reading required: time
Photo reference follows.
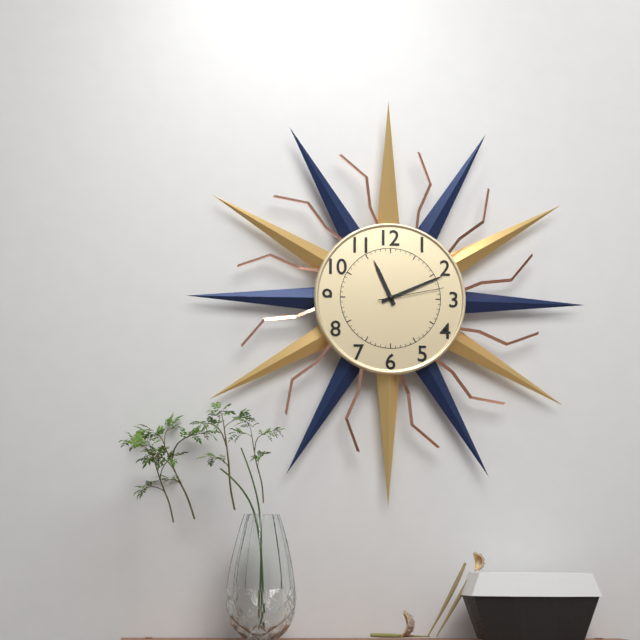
11:11:13
